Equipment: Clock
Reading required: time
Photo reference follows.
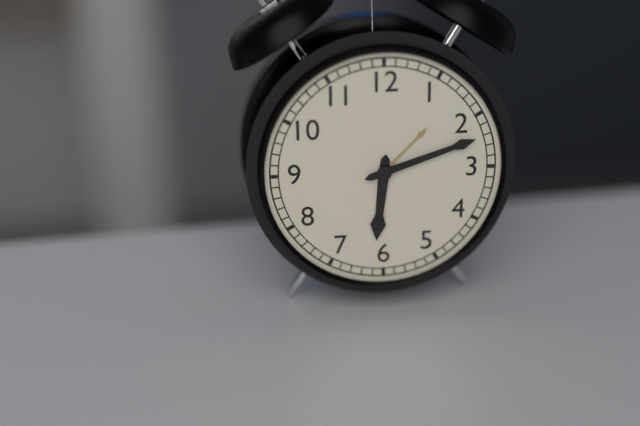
6:12
